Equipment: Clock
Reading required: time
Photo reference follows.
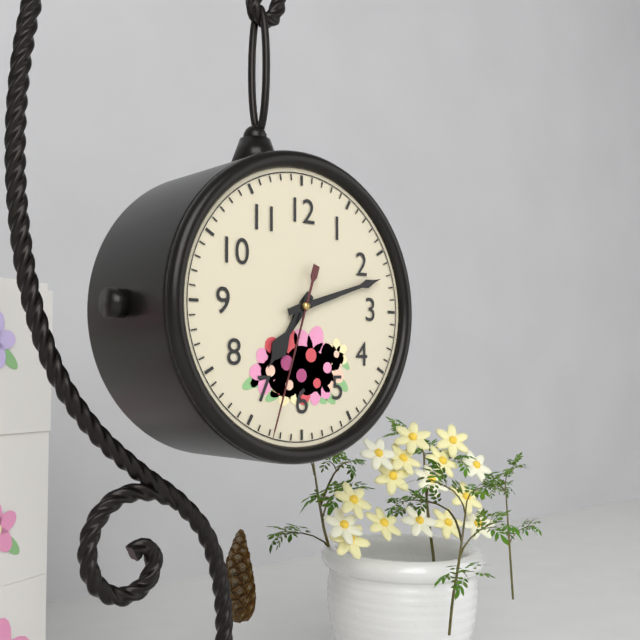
7:12:33
